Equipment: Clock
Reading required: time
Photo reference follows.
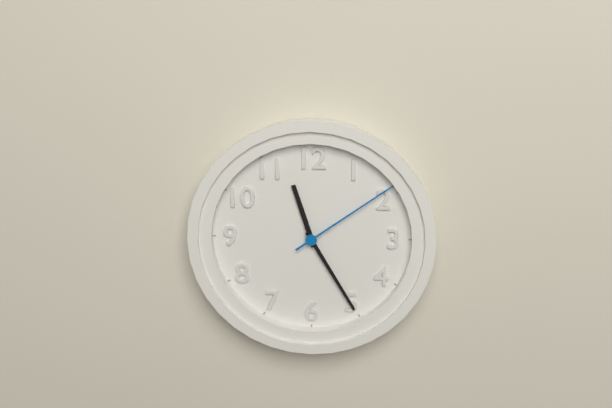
11:25:09
